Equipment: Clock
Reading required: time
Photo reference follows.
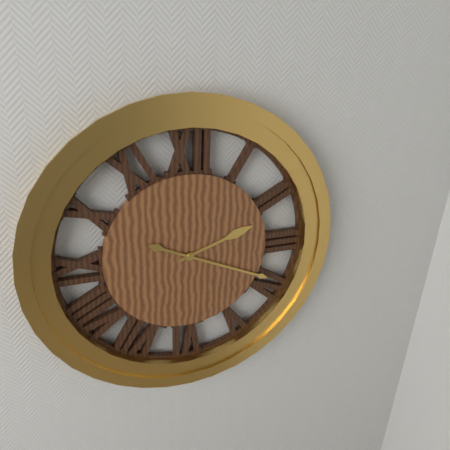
2:19
